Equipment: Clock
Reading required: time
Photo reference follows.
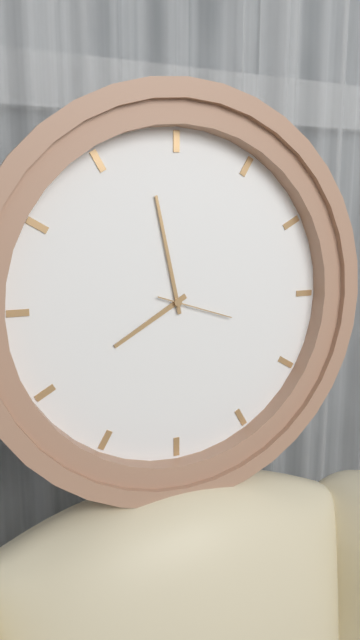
7:58:18
